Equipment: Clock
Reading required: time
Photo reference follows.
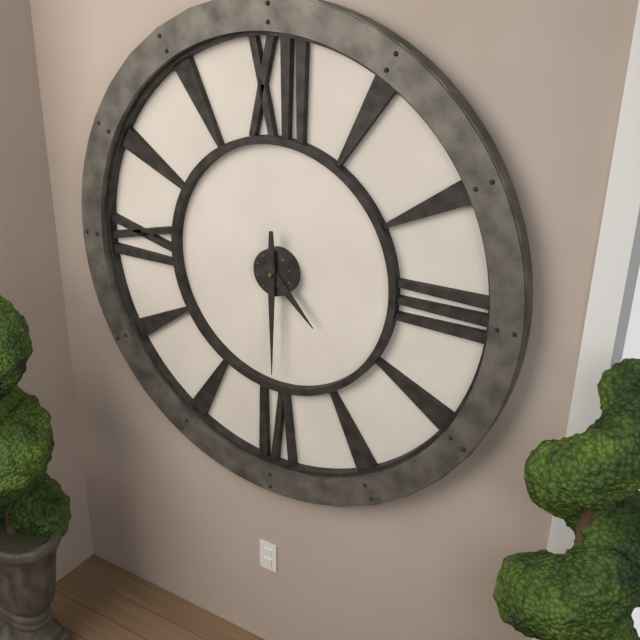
4:30
